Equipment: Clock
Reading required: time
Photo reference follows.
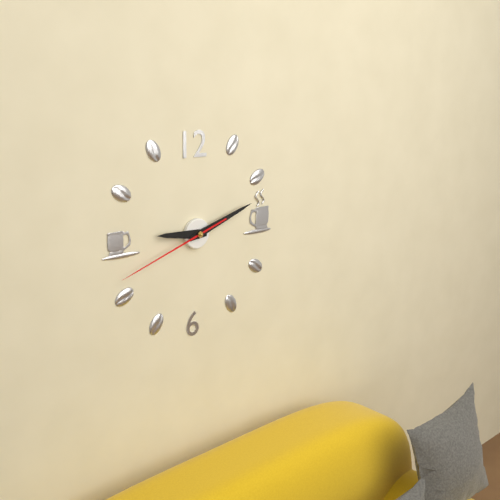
9:12:42
